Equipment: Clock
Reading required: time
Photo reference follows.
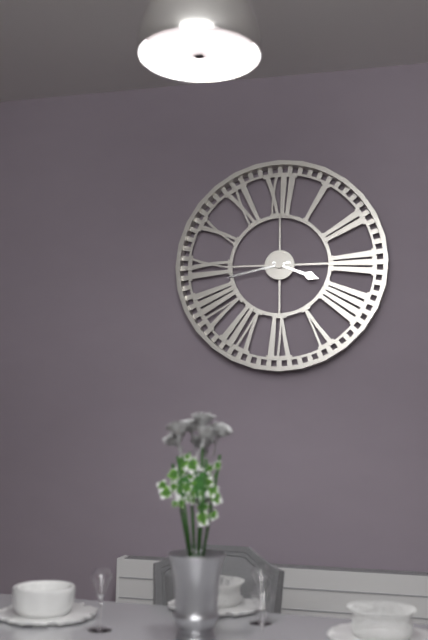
3:43
